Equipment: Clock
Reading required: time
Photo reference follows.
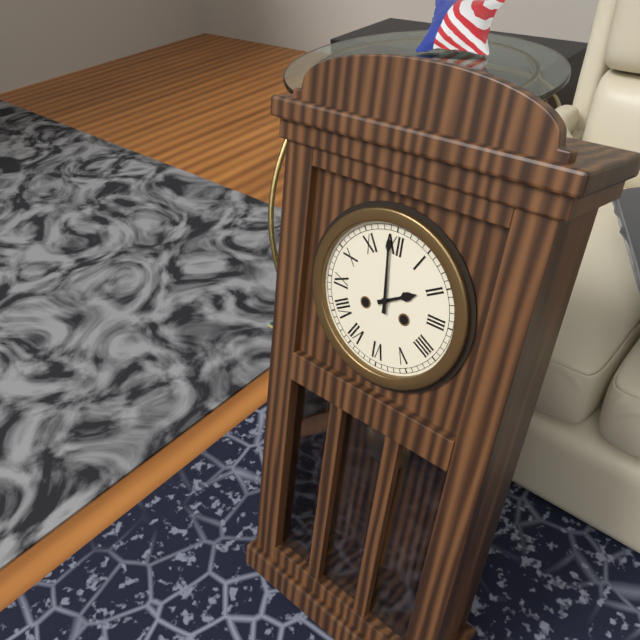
1:59
